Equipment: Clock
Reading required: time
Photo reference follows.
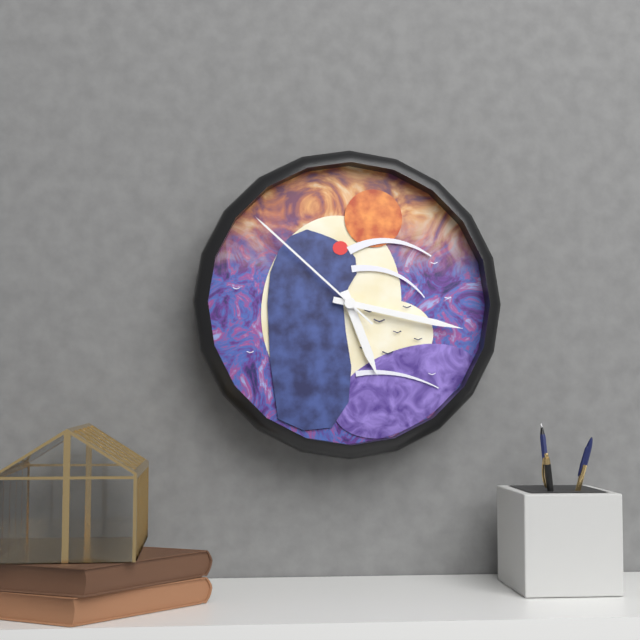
5:17:52
